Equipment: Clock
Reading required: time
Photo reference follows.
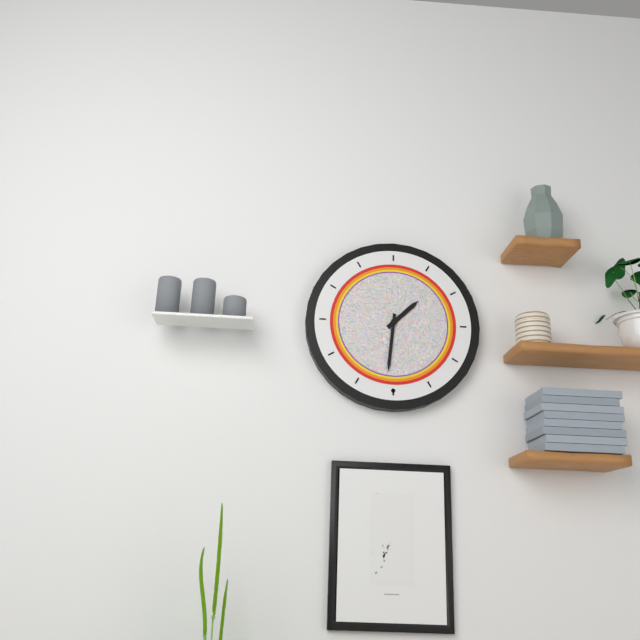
1:31
